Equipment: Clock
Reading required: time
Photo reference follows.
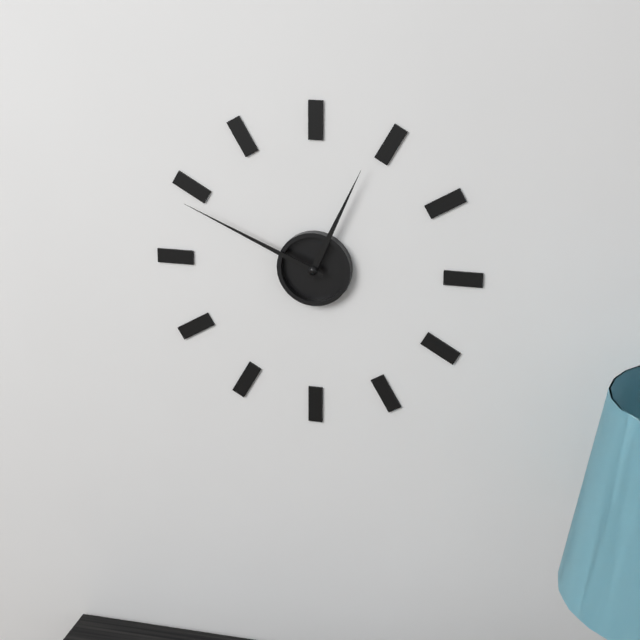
12:49
